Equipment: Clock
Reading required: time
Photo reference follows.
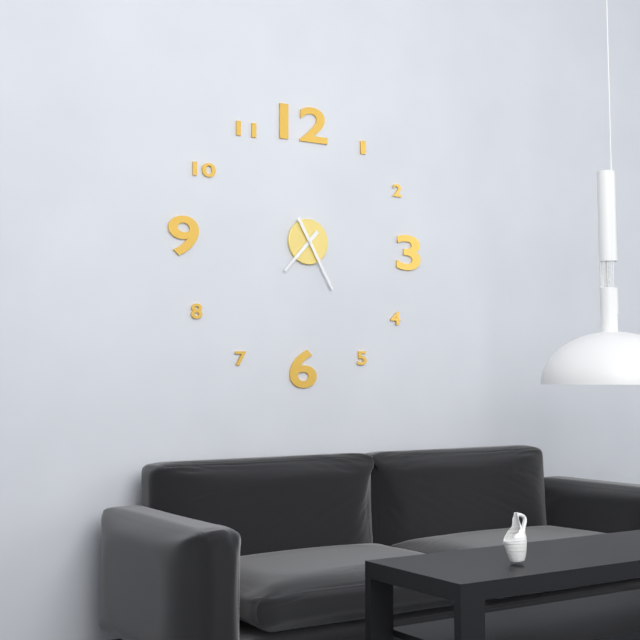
7:25
